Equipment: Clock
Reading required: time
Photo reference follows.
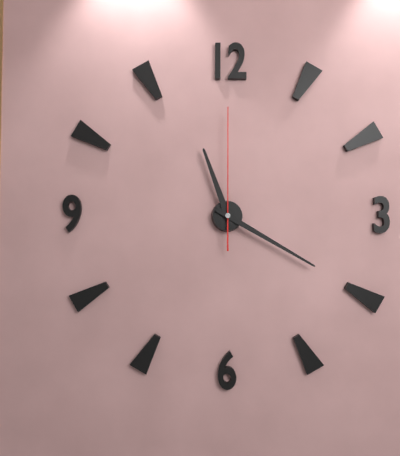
11:20:00
